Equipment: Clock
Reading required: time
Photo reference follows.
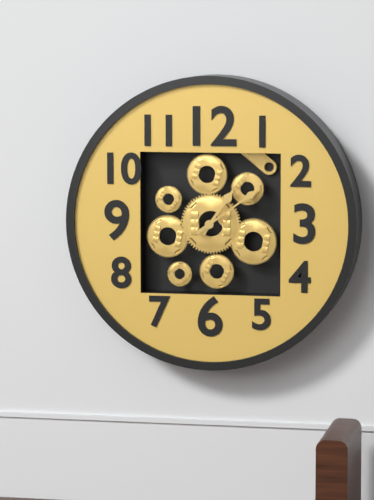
1:09
